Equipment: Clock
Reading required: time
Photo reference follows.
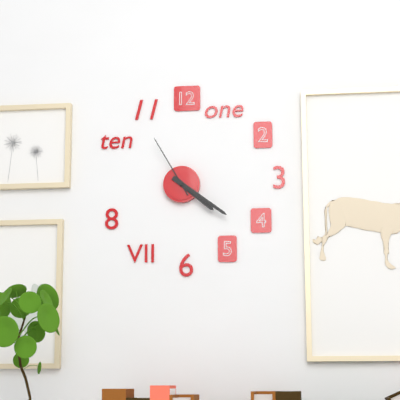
4:21:55
